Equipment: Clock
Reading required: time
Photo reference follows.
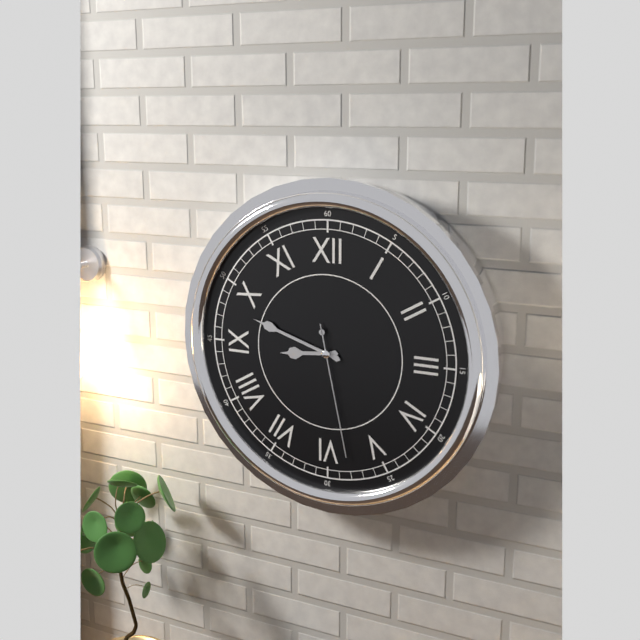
8:48:28
